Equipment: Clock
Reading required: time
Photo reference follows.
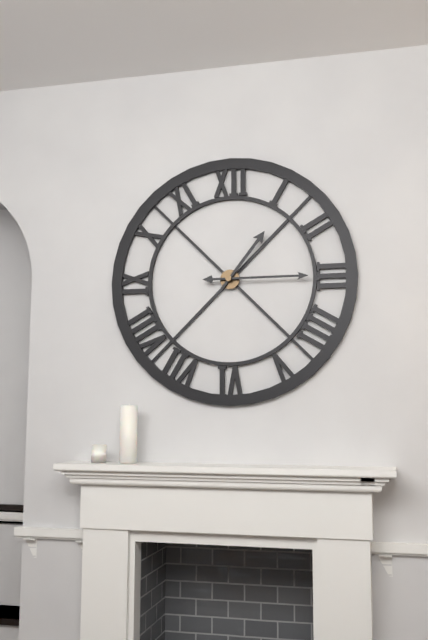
1:15
